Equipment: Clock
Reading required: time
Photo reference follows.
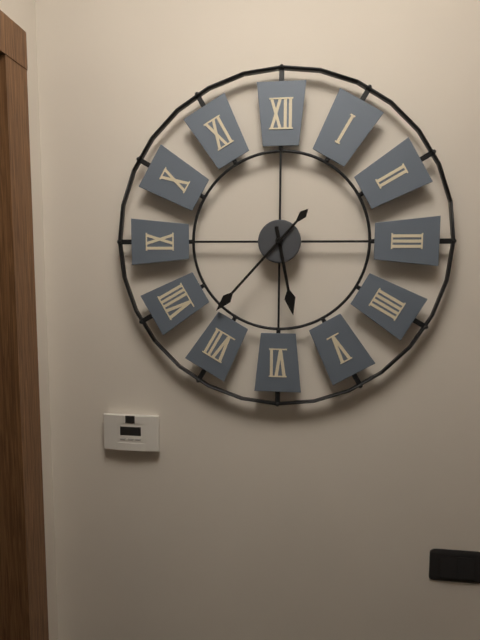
5:37
